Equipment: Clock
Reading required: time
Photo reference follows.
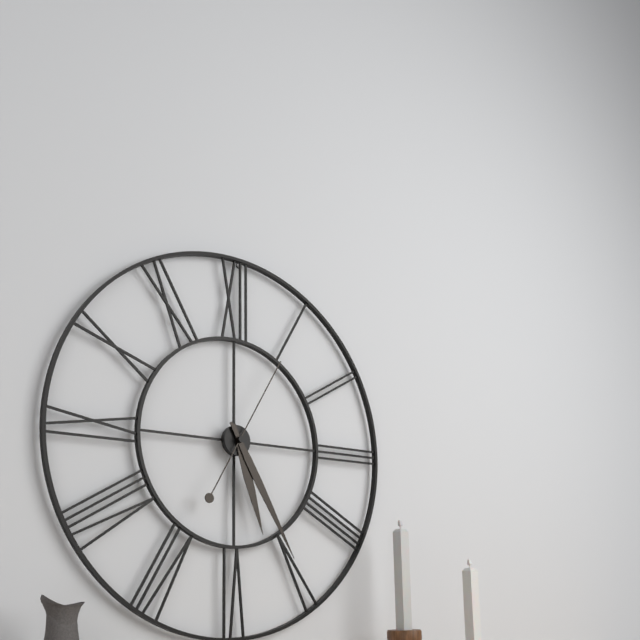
5:25:05
